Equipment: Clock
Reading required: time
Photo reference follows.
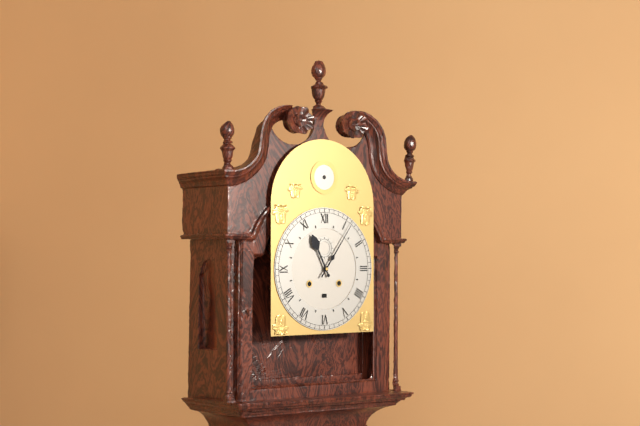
11:06
